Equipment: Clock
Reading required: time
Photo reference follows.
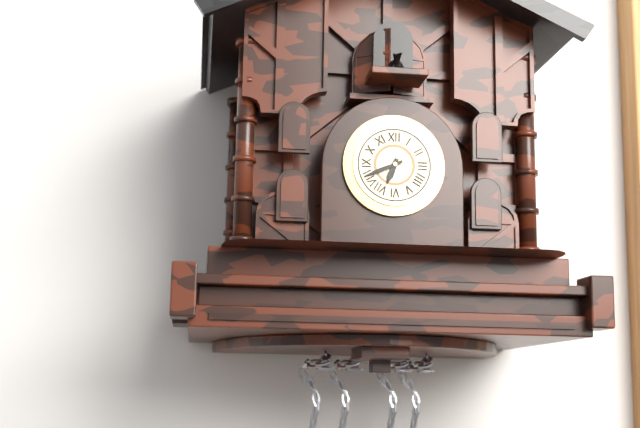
6:41
